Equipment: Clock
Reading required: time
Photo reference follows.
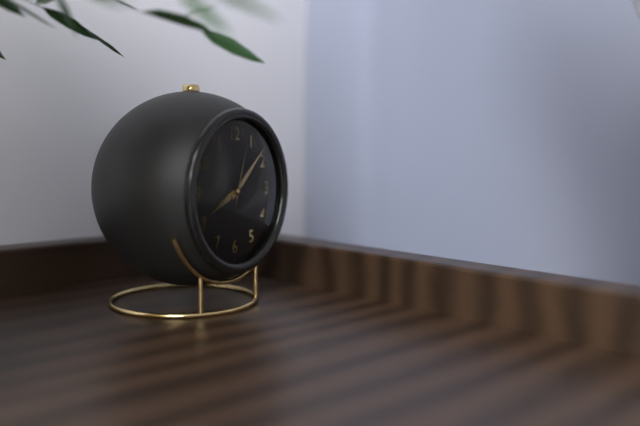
8:08:03
